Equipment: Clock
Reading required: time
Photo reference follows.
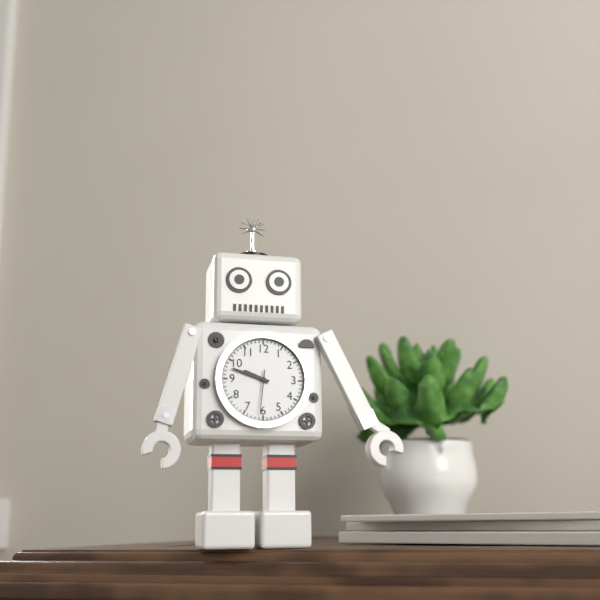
9:48
